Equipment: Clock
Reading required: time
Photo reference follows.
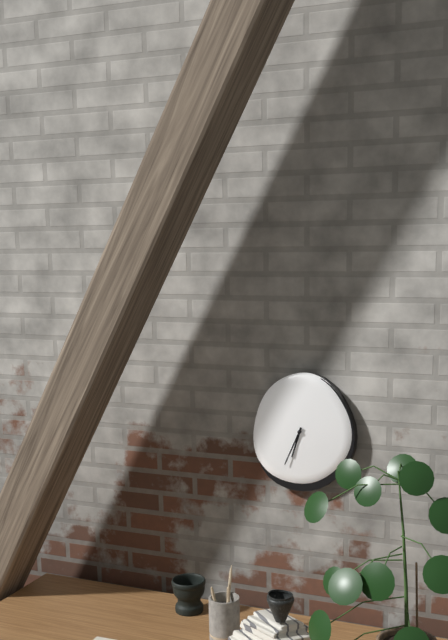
6:34
